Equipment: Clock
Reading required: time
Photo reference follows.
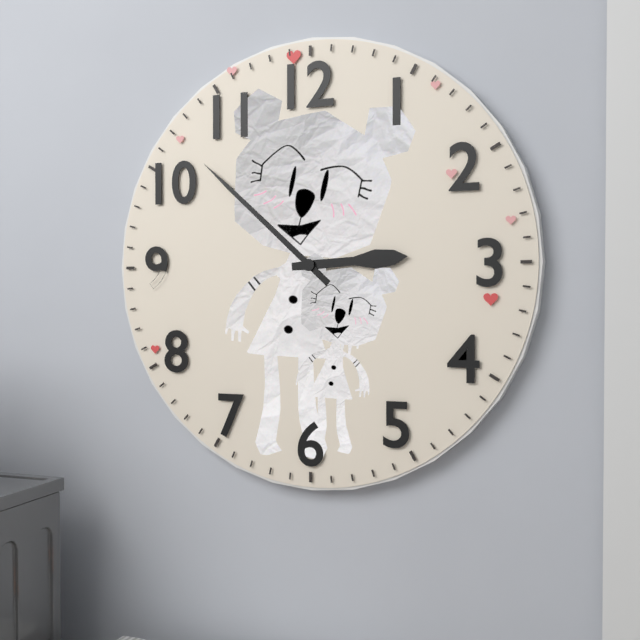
2:52
